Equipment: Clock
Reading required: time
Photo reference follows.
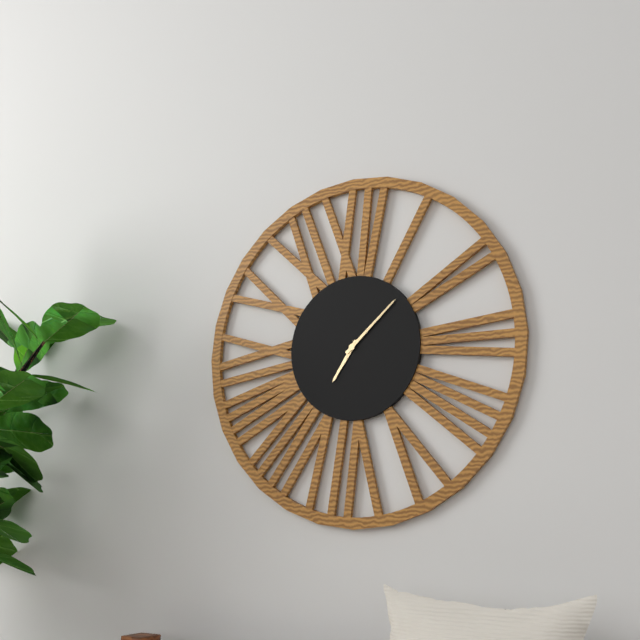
7:08
